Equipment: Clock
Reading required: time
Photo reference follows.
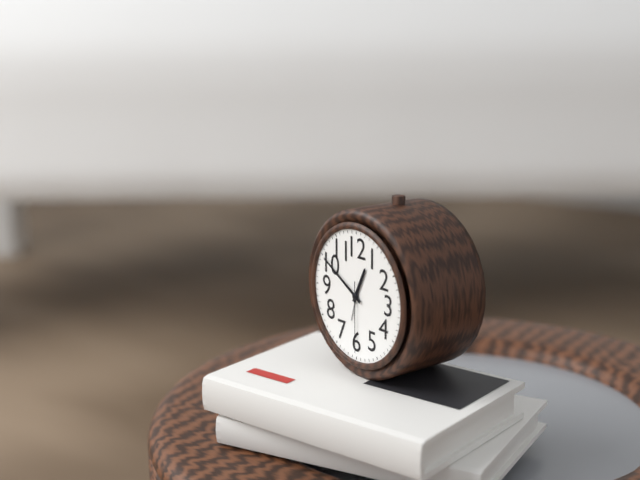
12:50:30
